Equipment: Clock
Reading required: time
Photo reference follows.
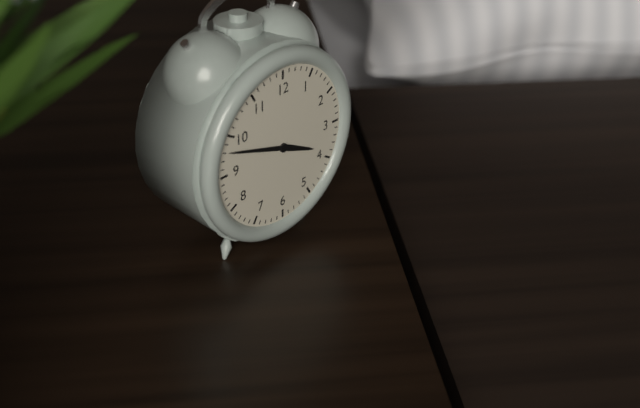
3:48
